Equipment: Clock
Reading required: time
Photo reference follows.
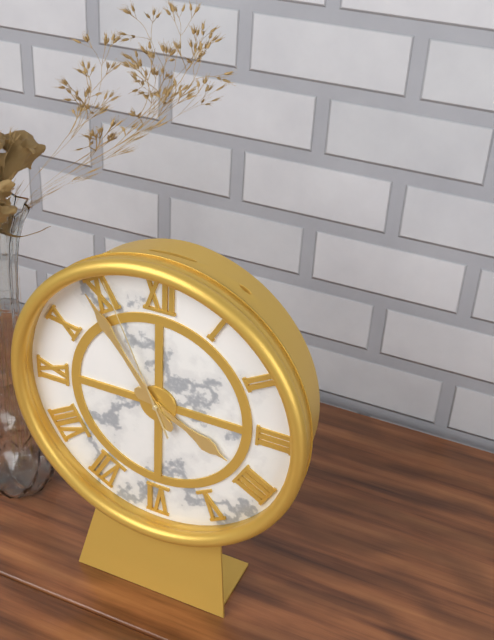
3:54:56
